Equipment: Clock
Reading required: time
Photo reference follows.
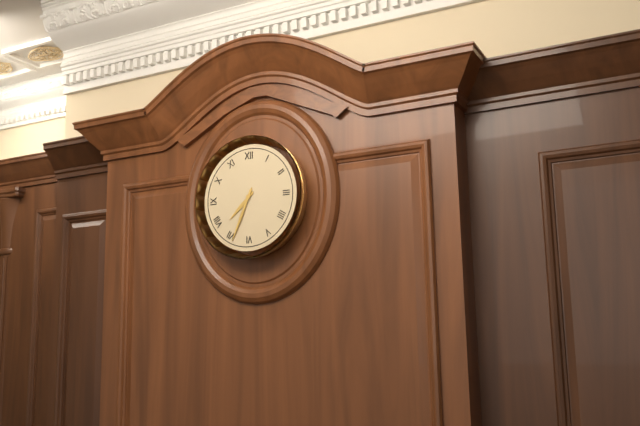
7:34
